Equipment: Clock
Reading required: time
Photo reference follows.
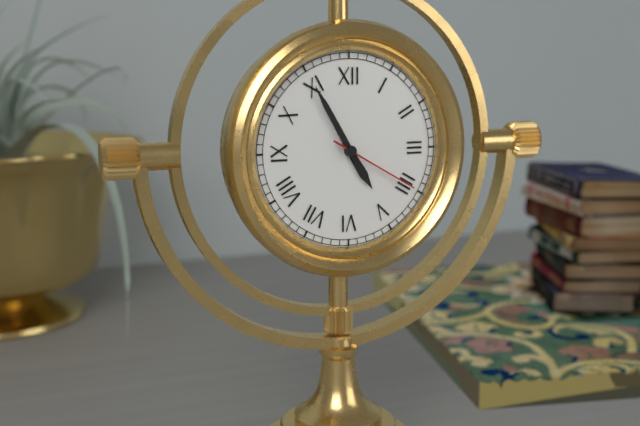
4:55:20
